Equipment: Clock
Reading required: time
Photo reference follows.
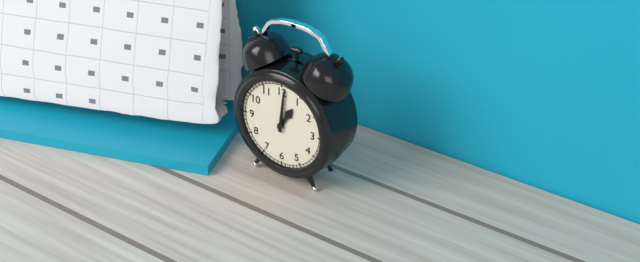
1:01
